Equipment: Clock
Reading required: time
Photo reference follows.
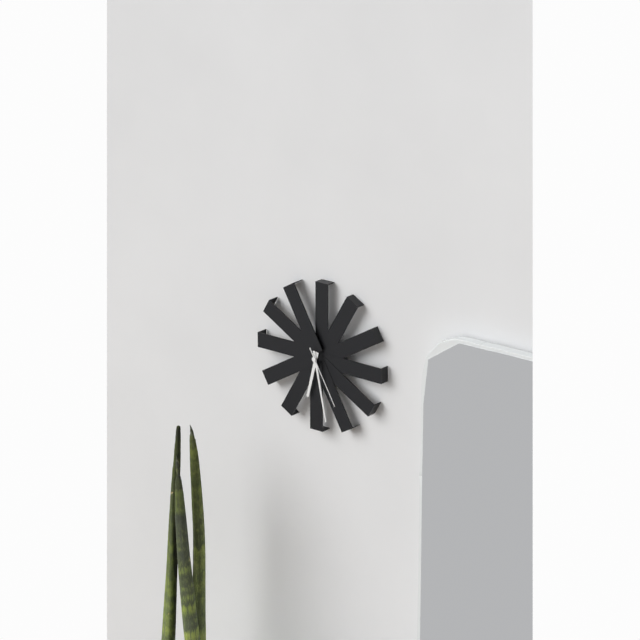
6:28:25
